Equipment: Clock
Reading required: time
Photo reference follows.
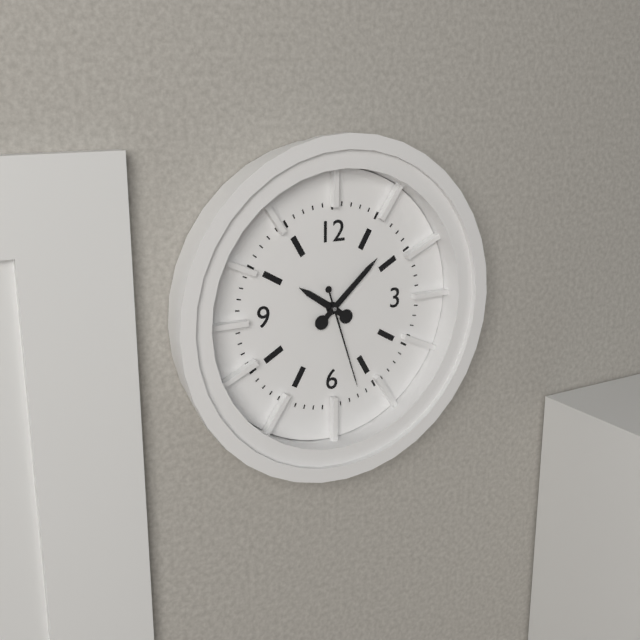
10:08:27
